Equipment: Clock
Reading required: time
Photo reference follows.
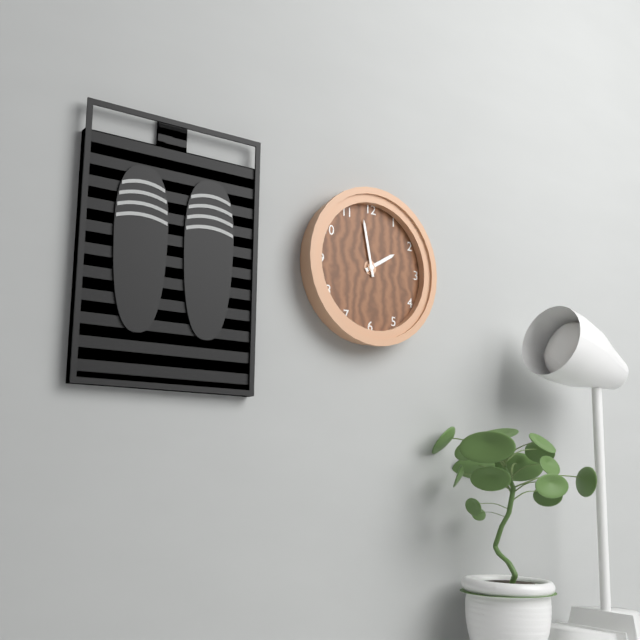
1:58
